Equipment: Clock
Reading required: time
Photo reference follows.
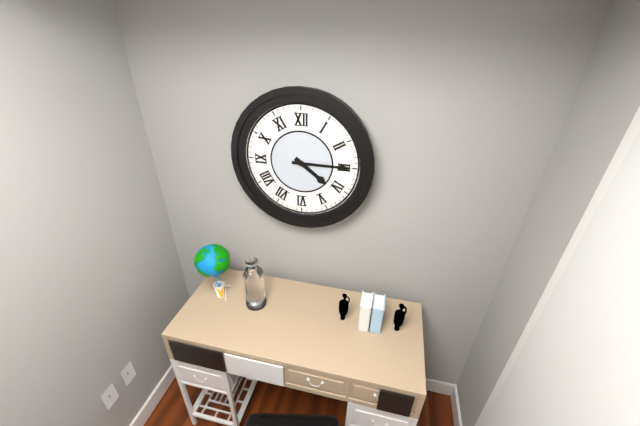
4:15
